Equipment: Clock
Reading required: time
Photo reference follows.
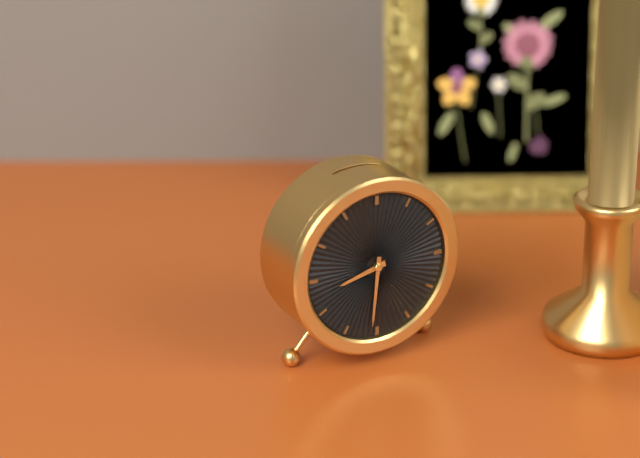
8:31
